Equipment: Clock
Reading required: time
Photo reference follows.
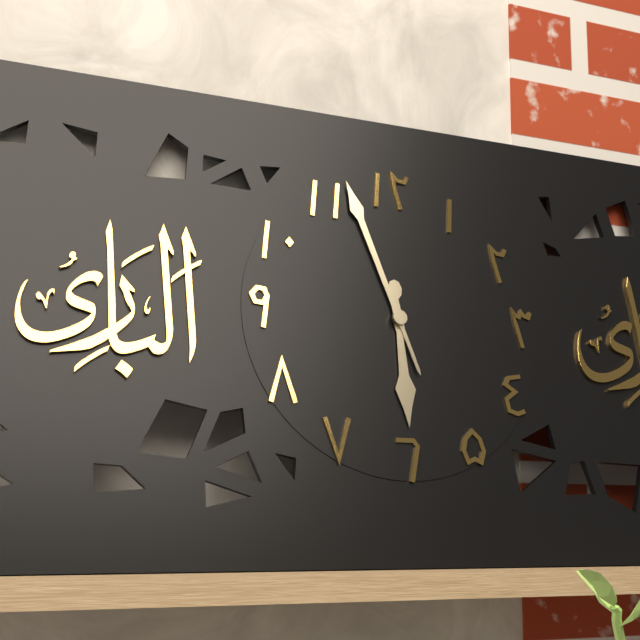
5:57
